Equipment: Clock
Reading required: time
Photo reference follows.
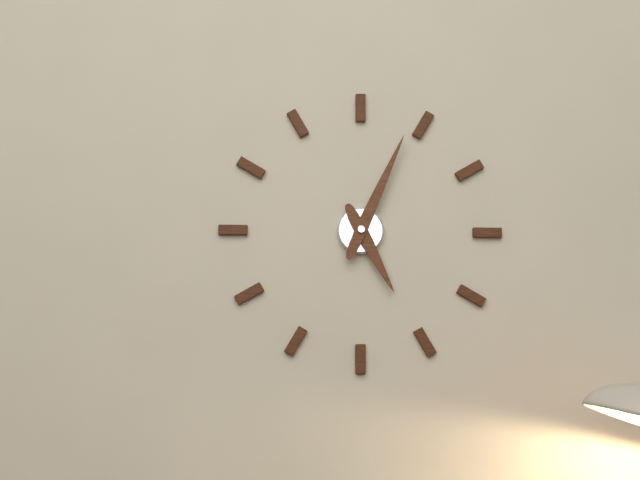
5:04
